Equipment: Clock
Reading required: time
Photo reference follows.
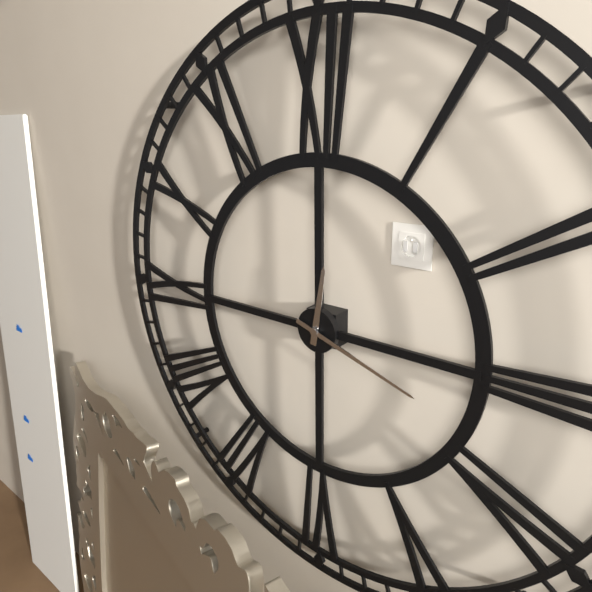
12:18
